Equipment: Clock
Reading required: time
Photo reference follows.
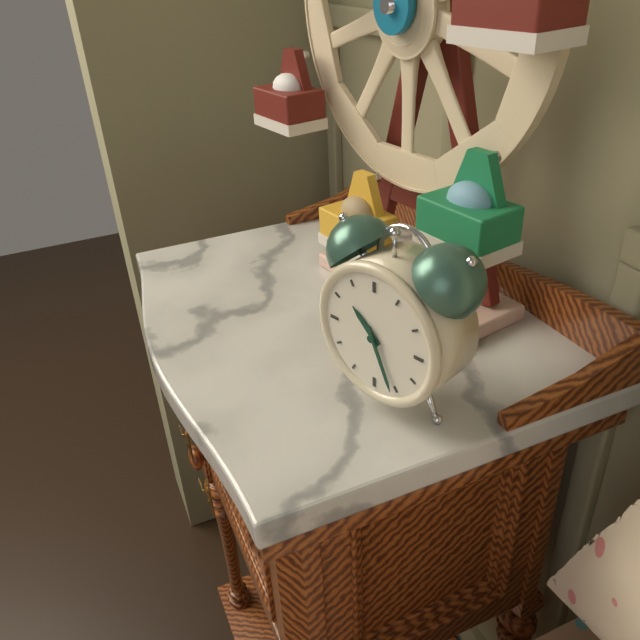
10:26
